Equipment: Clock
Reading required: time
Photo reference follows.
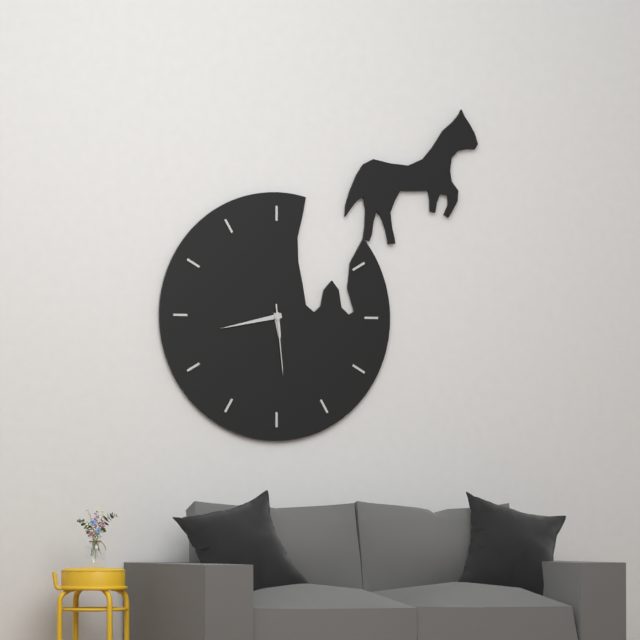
5:43:29
